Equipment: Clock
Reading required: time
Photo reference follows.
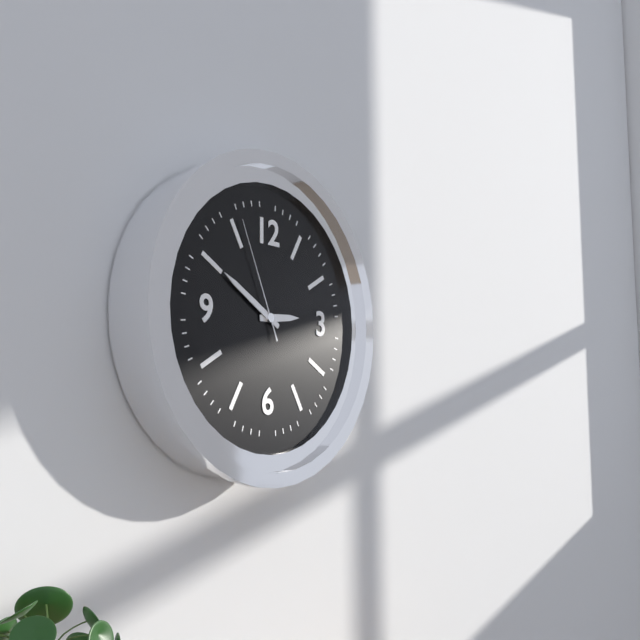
2:50:56
